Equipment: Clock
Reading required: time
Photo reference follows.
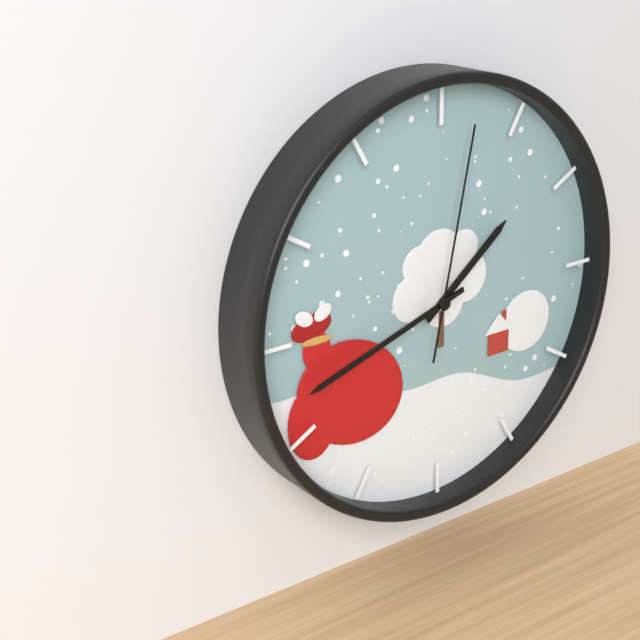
1:42:02
